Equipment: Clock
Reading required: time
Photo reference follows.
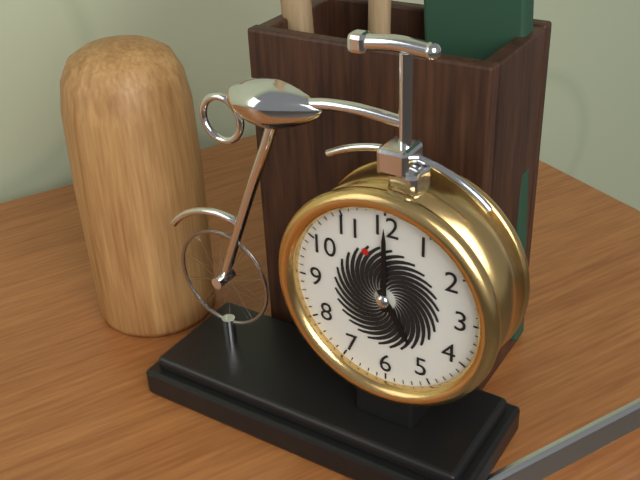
5:00
